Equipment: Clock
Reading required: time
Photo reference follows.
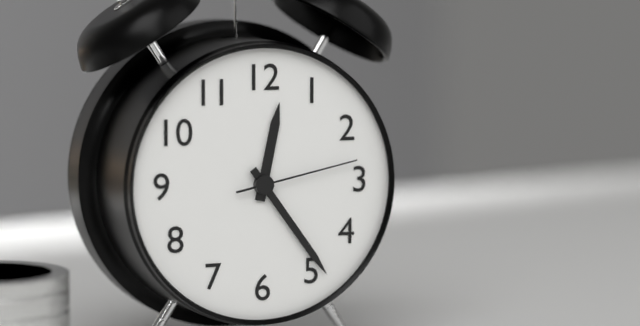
12:24:13
